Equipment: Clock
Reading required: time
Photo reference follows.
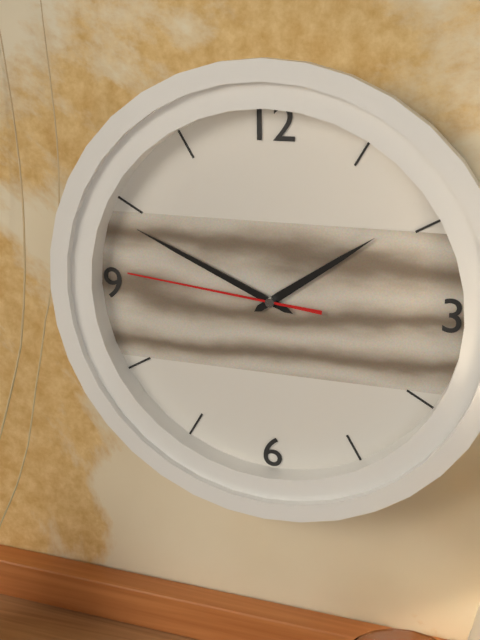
1:49:46
